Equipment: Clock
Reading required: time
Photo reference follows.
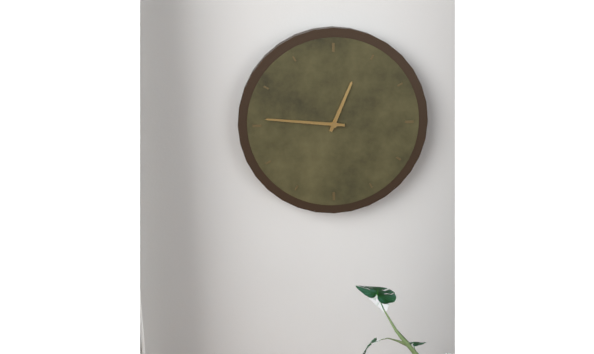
12:46
